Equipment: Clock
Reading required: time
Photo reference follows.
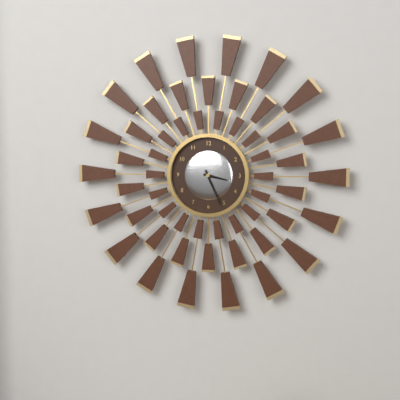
3:26
